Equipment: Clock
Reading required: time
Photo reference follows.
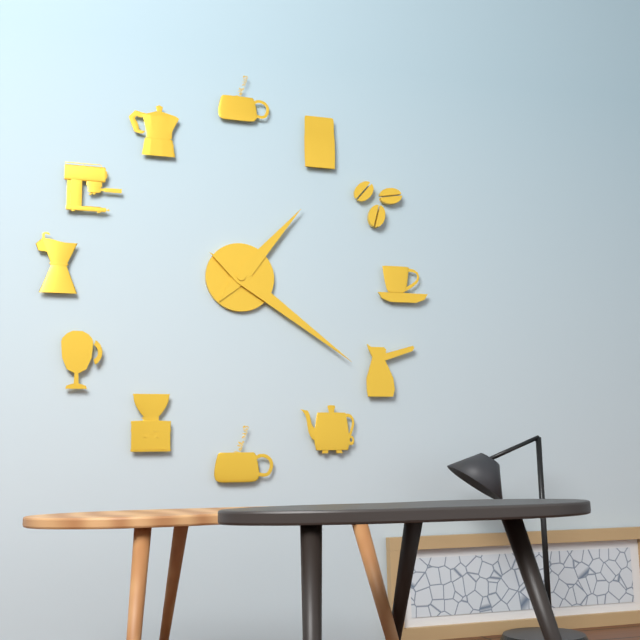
1:21
